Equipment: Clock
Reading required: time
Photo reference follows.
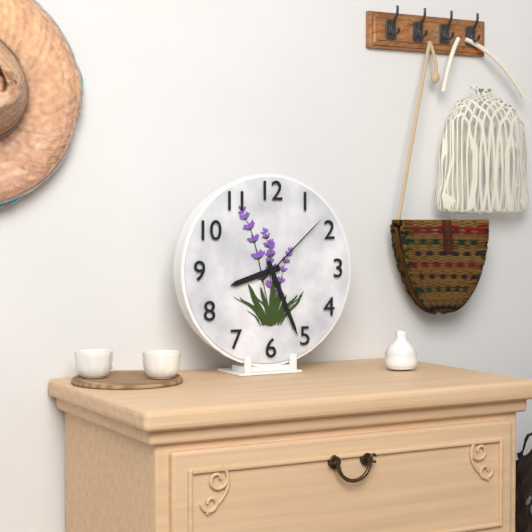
8:26:08
